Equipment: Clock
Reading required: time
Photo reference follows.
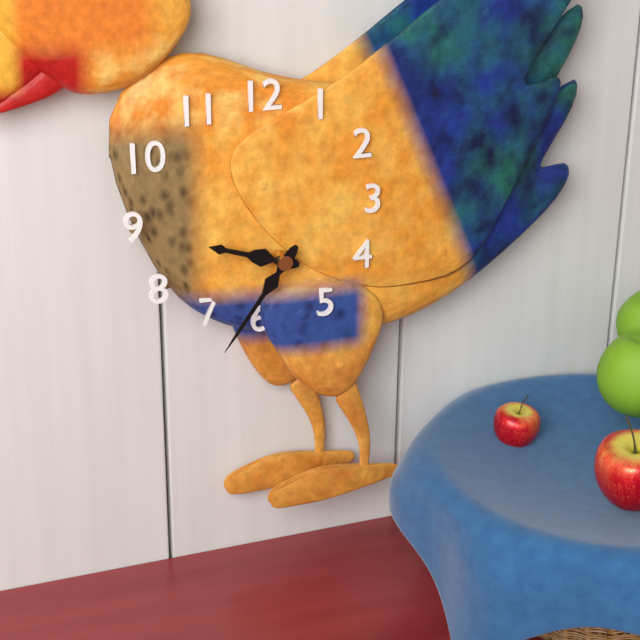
9:36
